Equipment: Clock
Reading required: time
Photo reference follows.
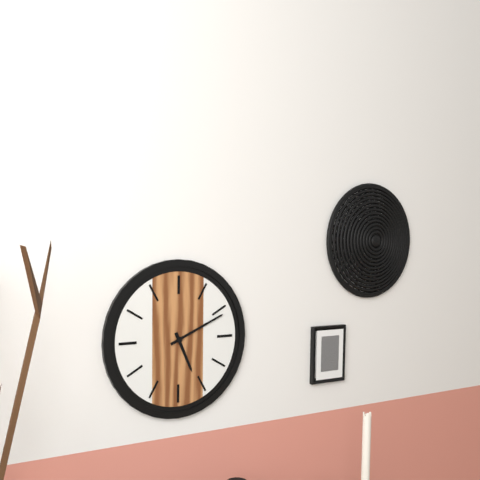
5:11
